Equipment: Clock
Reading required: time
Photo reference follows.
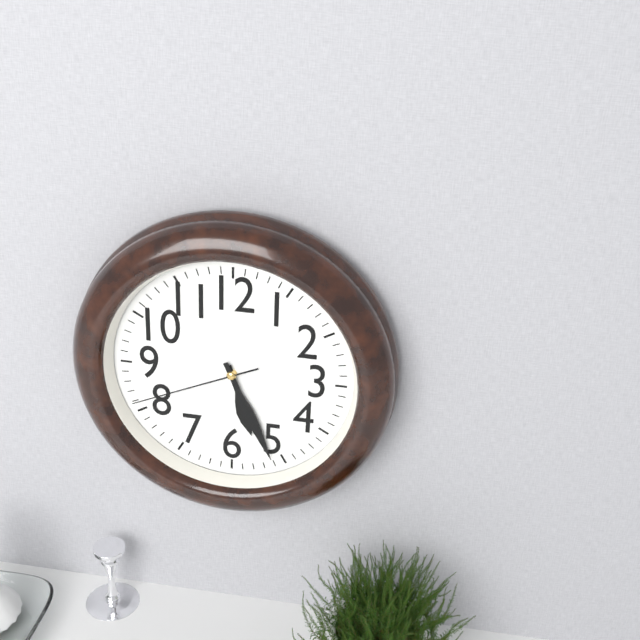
5:26:41
